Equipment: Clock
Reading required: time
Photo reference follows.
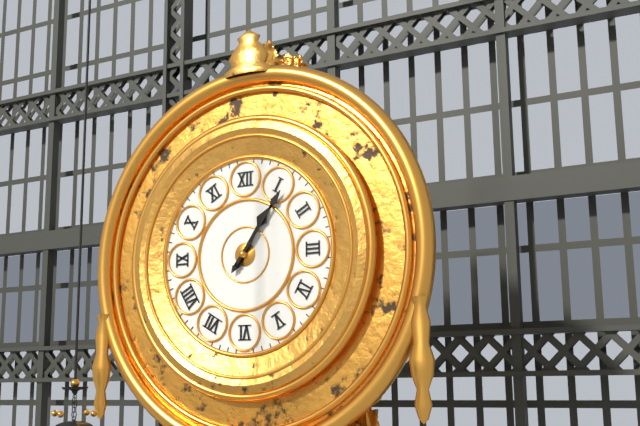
1:06
